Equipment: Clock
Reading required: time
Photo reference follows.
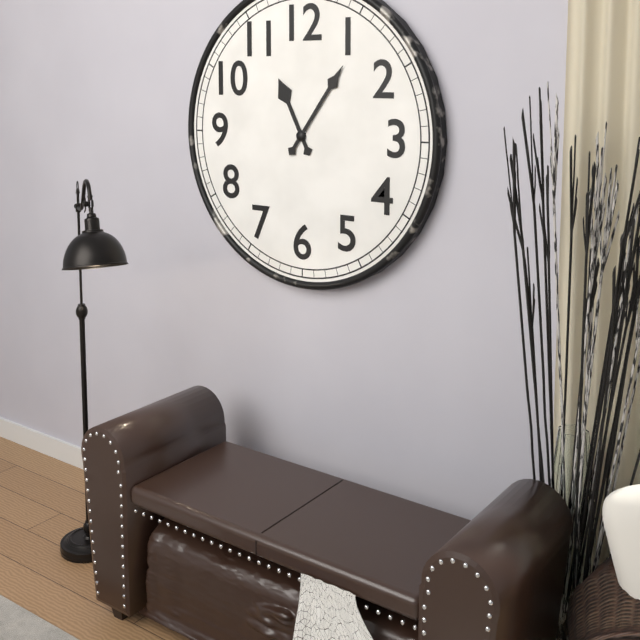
11:06
